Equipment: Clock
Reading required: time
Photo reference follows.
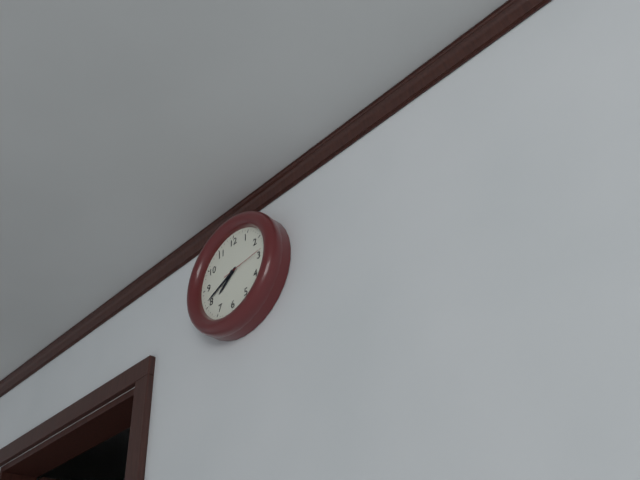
7:41
